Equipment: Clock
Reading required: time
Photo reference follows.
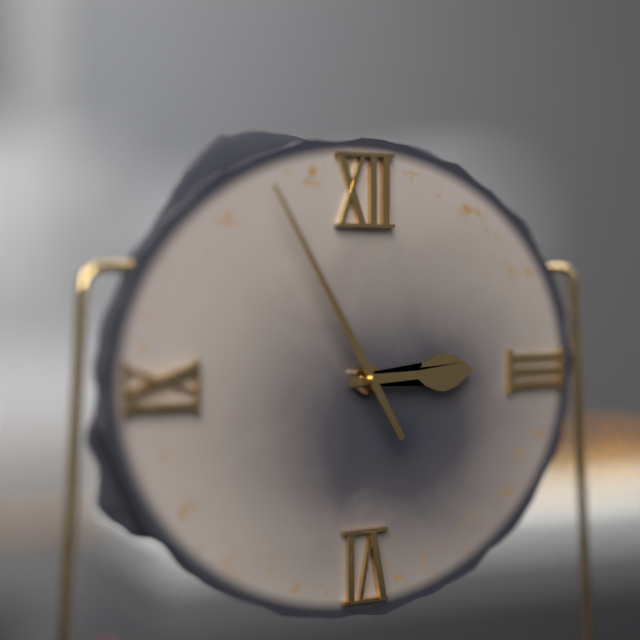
2:55
